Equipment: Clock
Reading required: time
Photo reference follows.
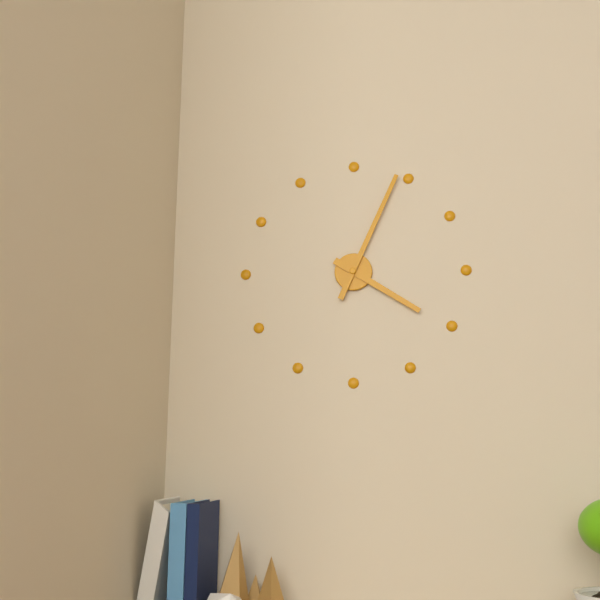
4:04
